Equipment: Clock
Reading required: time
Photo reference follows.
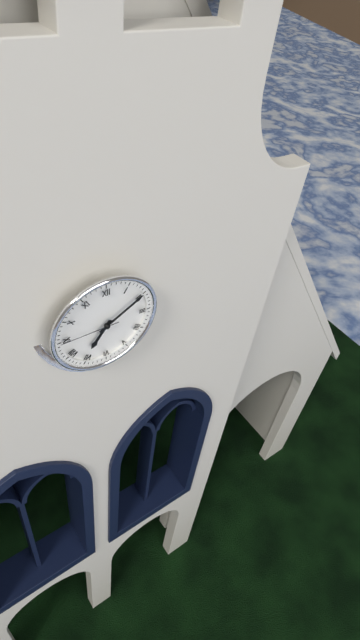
7:10:45
